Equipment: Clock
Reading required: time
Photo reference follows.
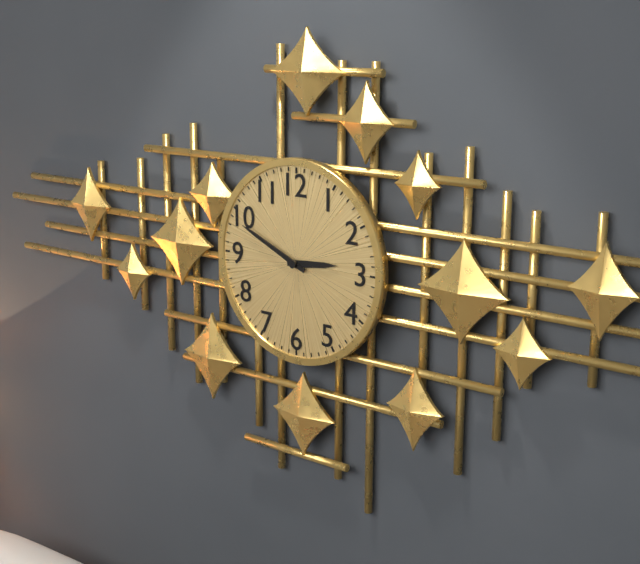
2:49
